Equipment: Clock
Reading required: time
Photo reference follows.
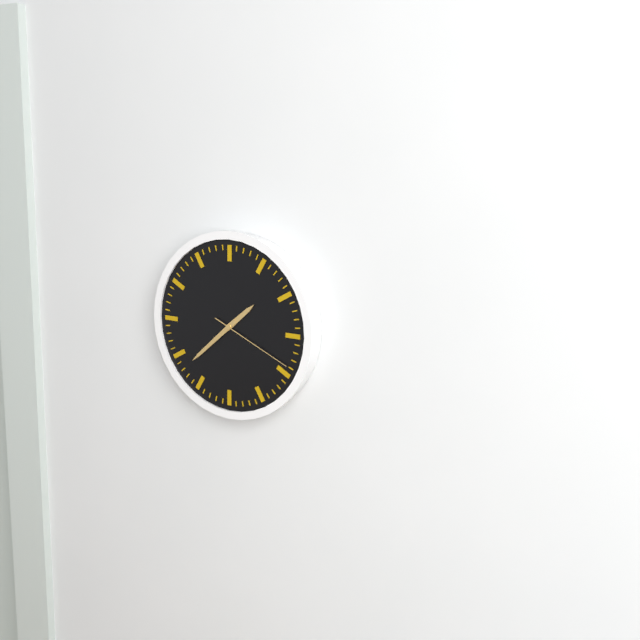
1:38:19
